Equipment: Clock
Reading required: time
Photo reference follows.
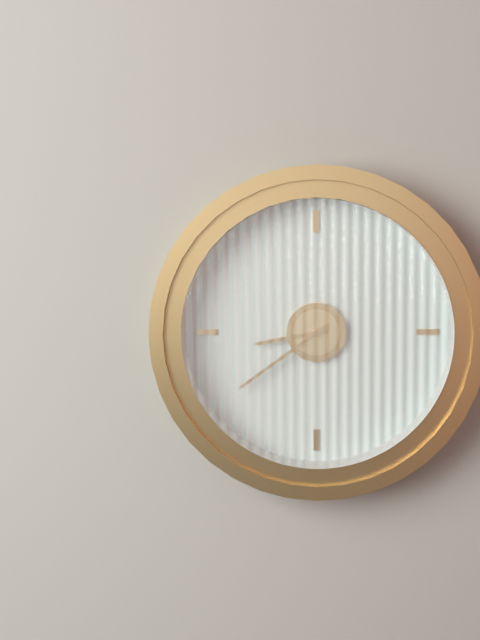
8:39
